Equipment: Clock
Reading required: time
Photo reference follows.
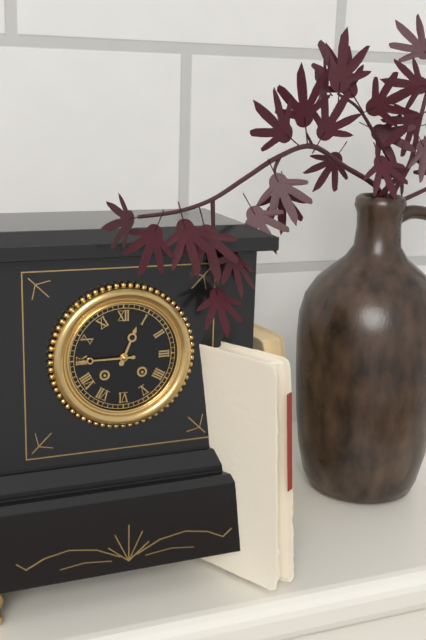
12:45
